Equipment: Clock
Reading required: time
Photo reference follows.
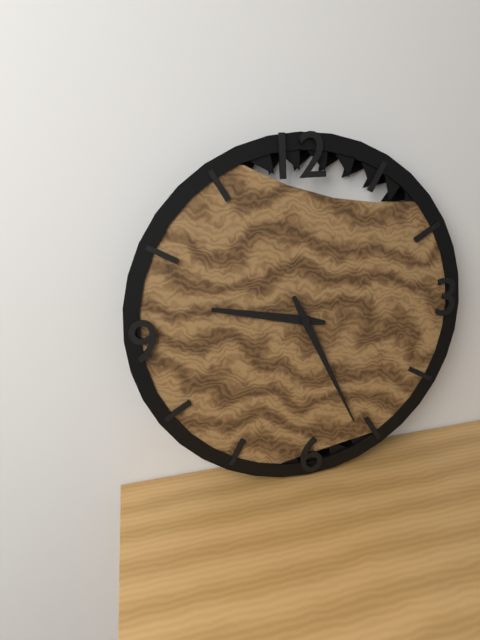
9:26
